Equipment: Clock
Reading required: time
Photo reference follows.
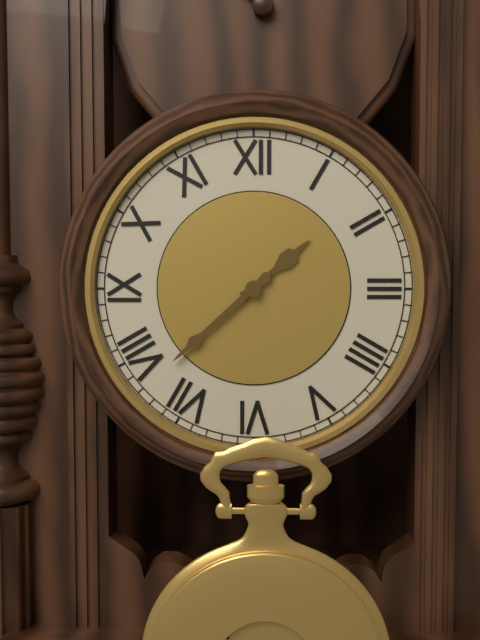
1:38
